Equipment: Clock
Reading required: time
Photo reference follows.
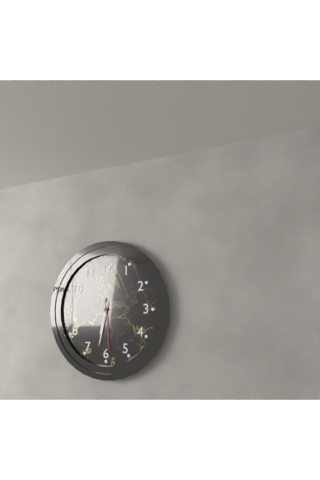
6:32:29
